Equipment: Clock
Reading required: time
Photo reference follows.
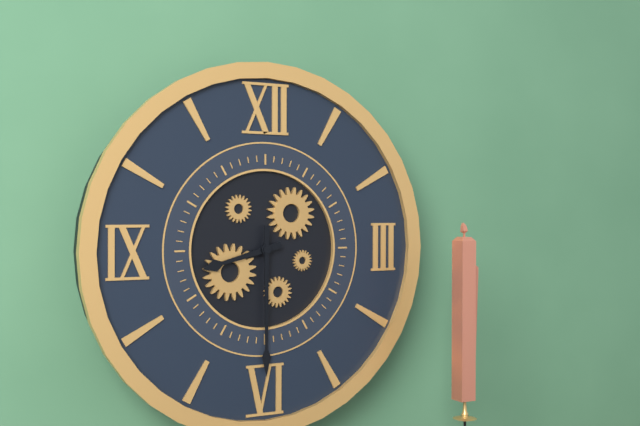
8:30
